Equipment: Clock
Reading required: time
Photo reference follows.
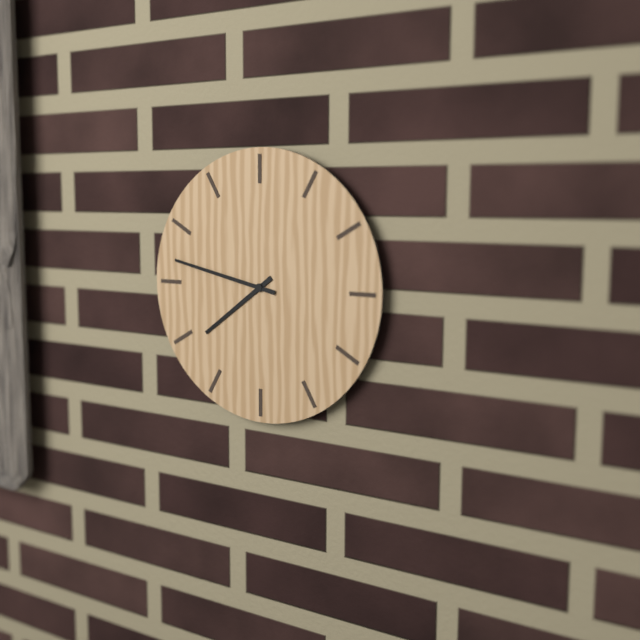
7:47
